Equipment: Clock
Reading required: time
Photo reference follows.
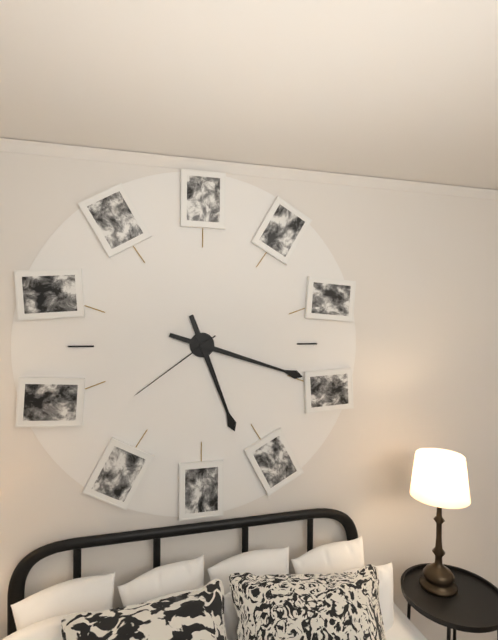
5:18:39
